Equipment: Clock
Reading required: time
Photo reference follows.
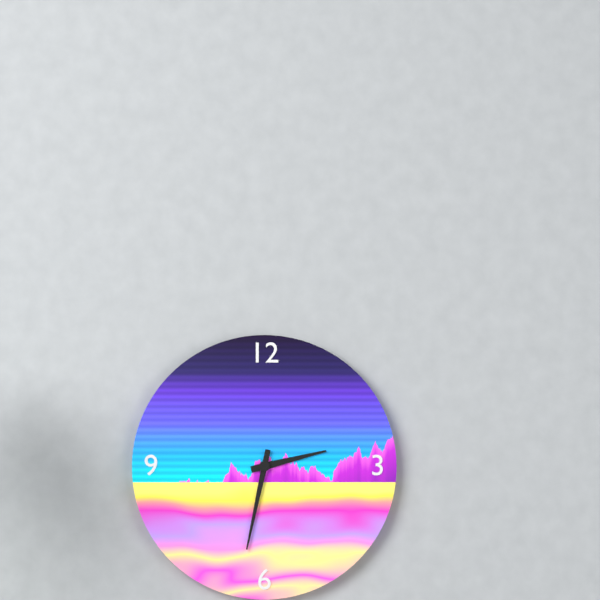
2:32
